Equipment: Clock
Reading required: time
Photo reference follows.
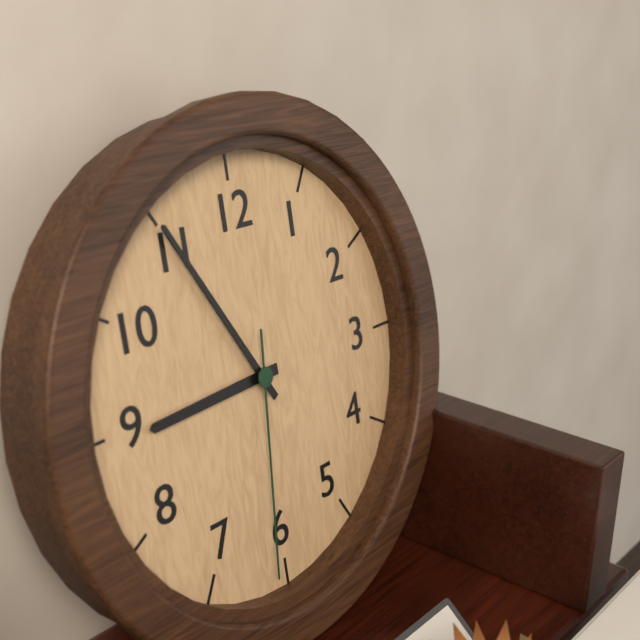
8:55:31
